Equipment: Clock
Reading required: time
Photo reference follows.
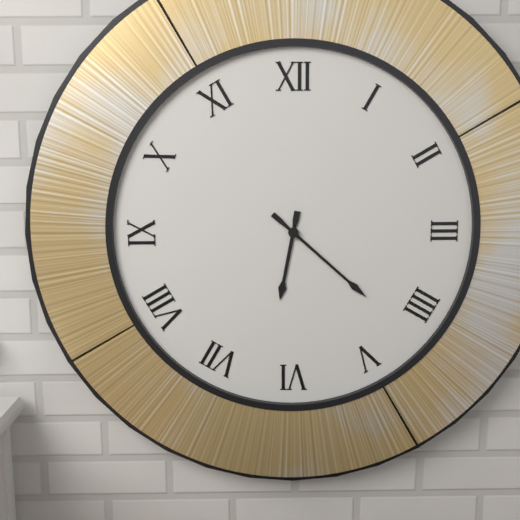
6:22
